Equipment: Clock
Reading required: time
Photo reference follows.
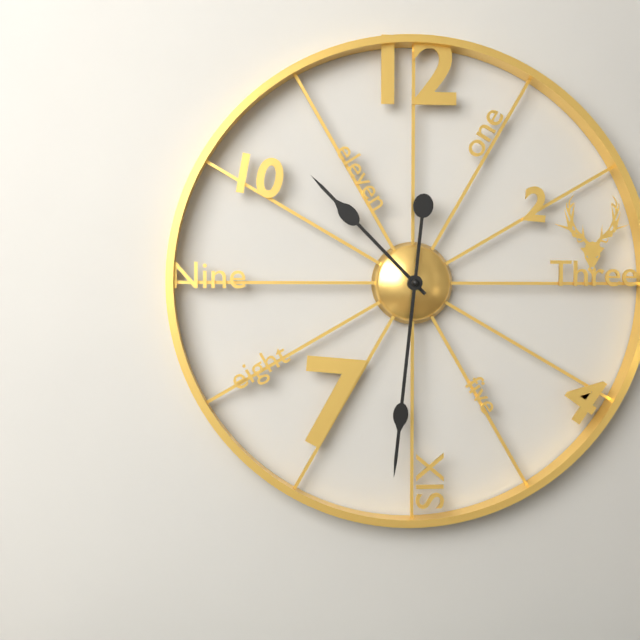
10:31
